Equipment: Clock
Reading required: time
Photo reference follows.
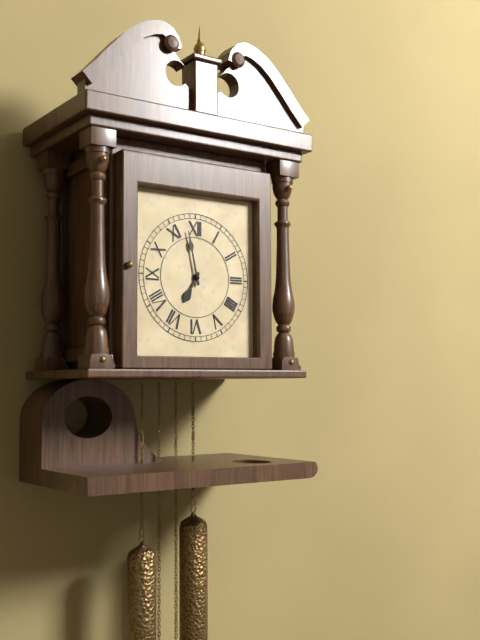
6:58
